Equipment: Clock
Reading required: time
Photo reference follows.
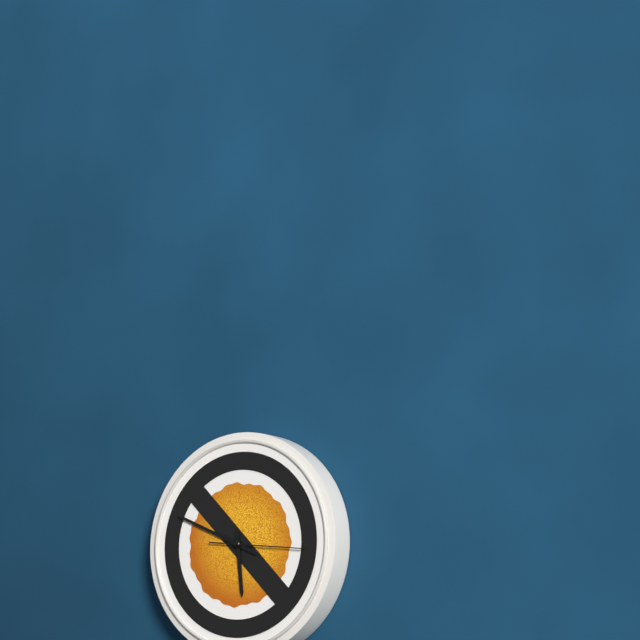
5:49:16
